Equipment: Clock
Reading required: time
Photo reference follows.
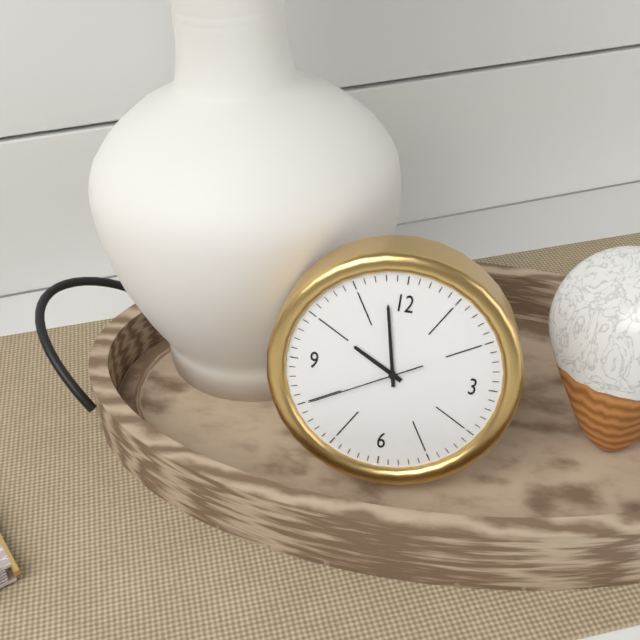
9:58:40
